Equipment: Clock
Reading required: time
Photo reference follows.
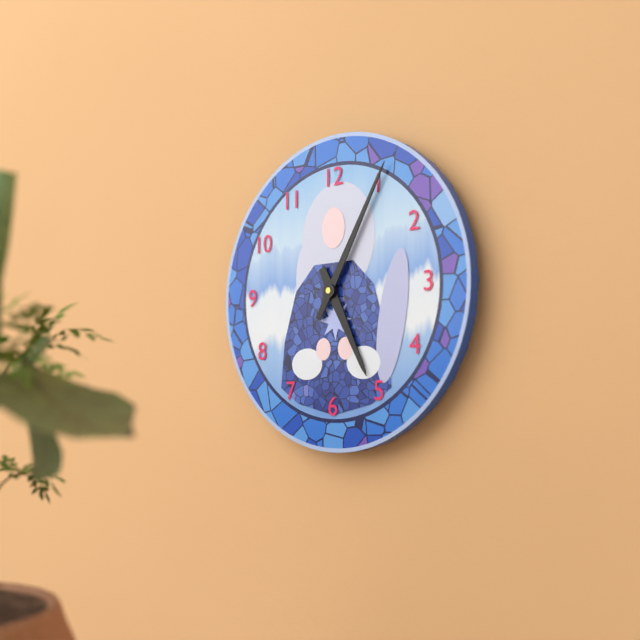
5:05
